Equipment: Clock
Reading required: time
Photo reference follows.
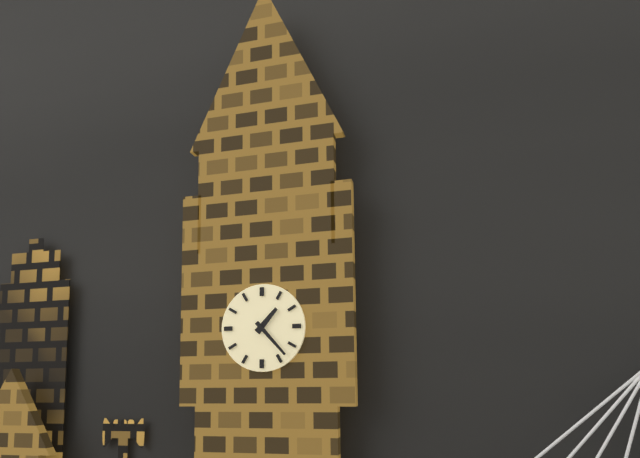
1:23
